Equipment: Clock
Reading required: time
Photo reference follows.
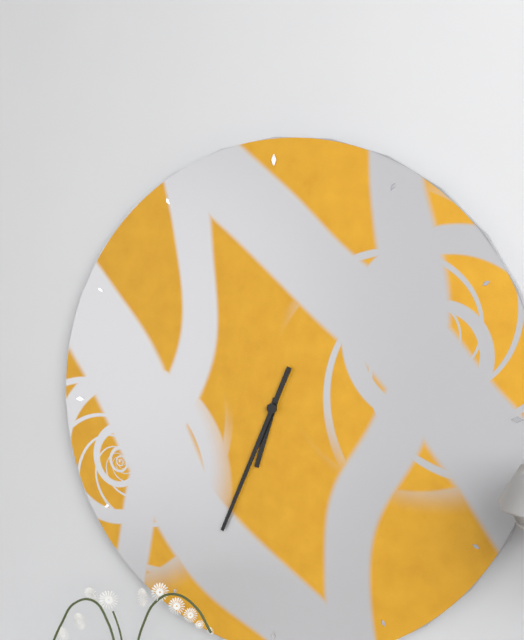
6:34
